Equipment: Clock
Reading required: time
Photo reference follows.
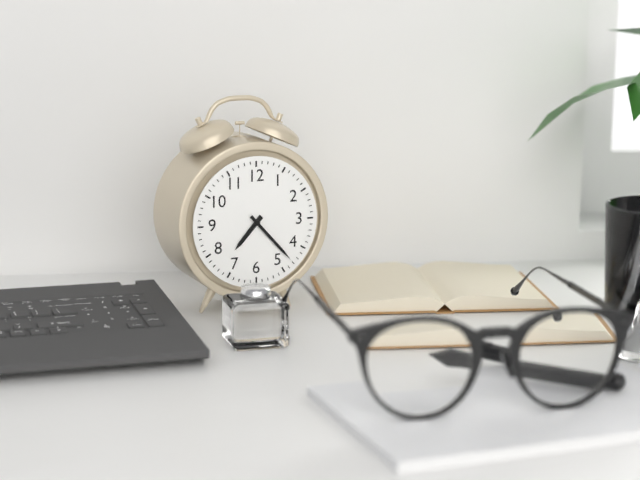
7:23
